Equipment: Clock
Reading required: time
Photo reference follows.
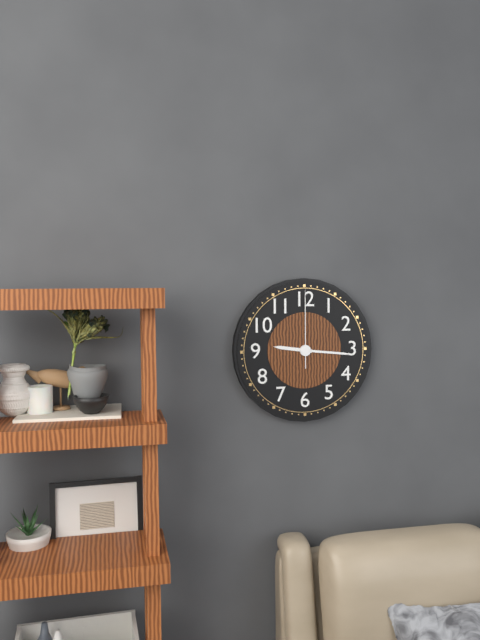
9:16:00
